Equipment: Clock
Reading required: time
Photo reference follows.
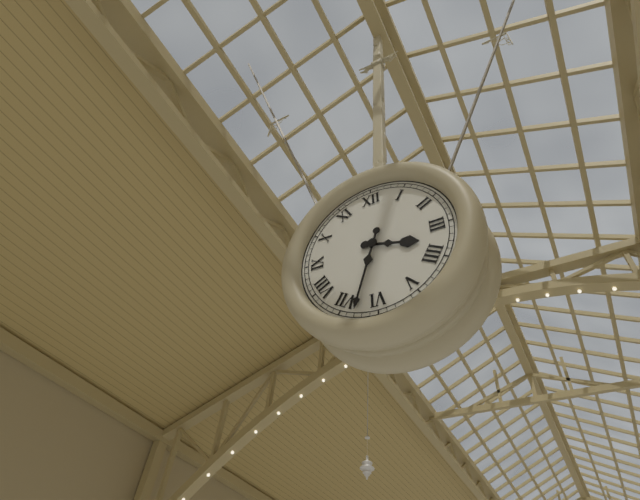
3:33
